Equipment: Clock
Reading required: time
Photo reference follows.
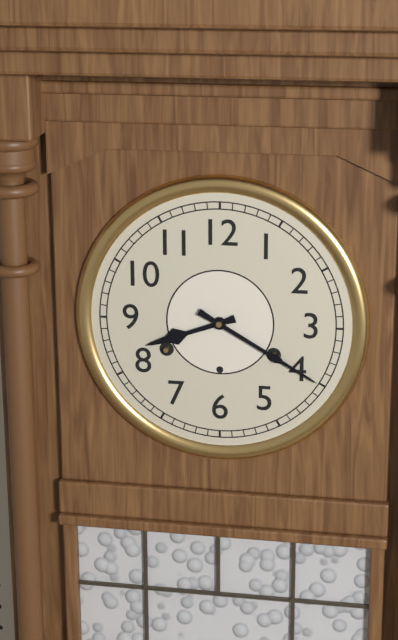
8:20
